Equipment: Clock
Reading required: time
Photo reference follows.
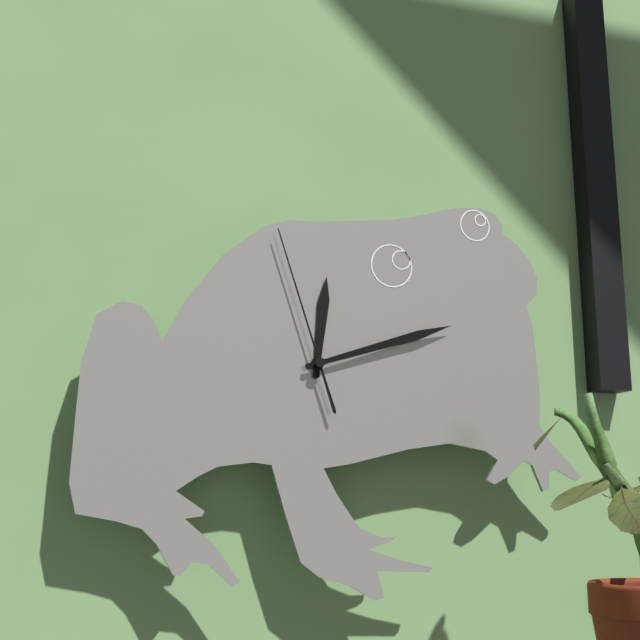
12:12:57
